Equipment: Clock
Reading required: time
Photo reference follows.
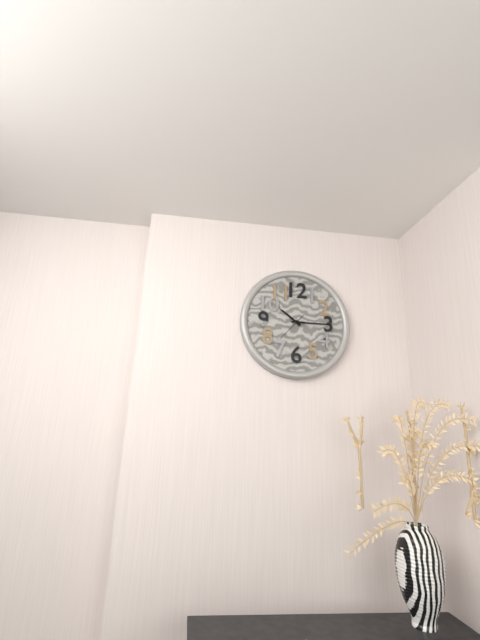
10:15
